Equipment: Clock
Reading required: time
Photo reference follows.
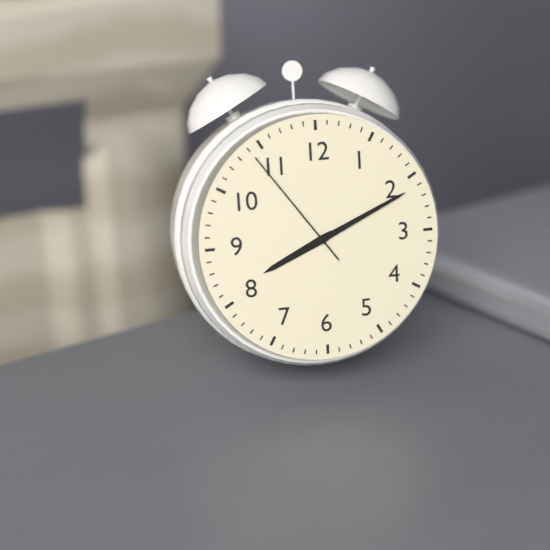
8:11:54
